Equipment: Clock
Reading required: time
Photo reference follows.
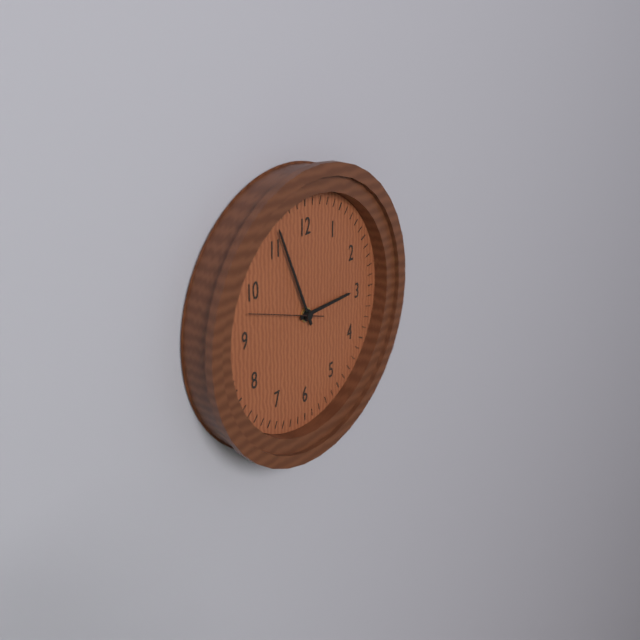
2:56:48
